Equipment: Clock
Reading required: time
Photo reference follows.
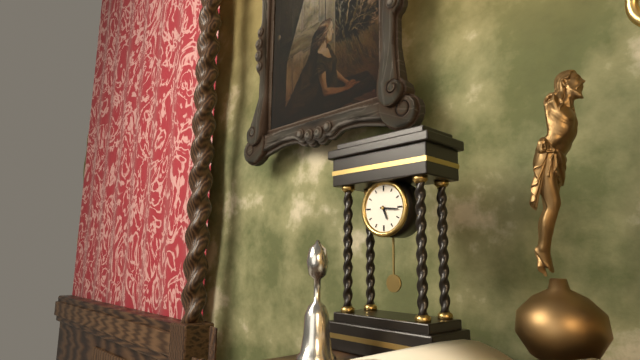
5:16
